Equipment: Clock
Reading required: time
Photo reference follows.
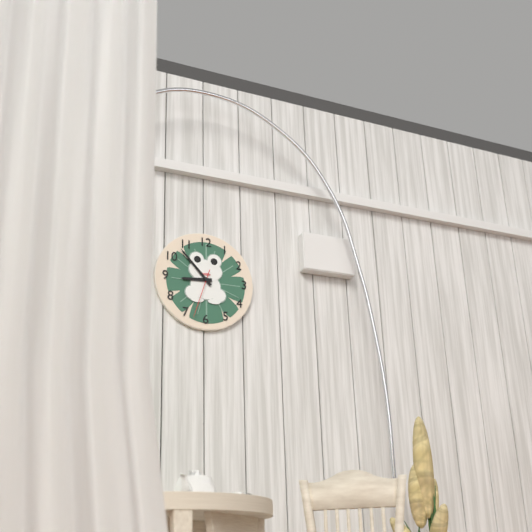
8:53:33
